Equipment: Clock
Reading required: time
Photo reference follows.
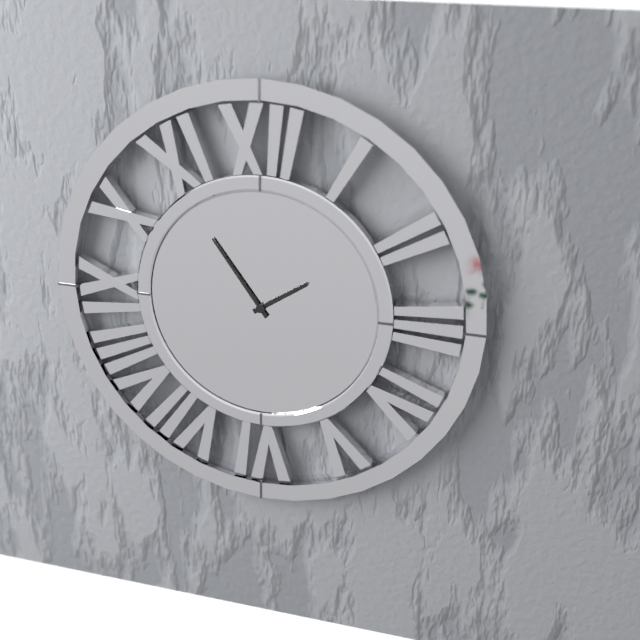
1:54
